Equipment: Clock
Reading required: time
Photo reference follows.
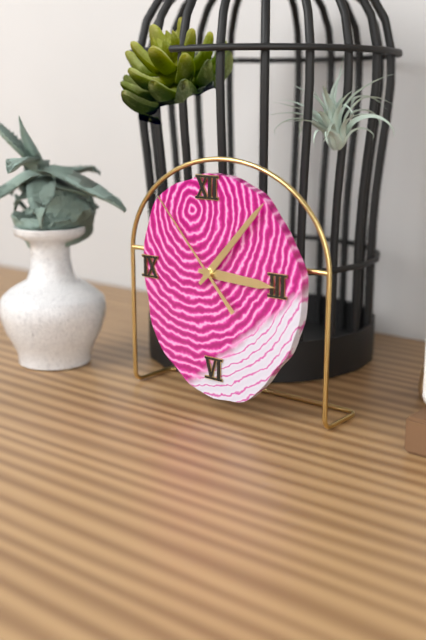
3:07:53
